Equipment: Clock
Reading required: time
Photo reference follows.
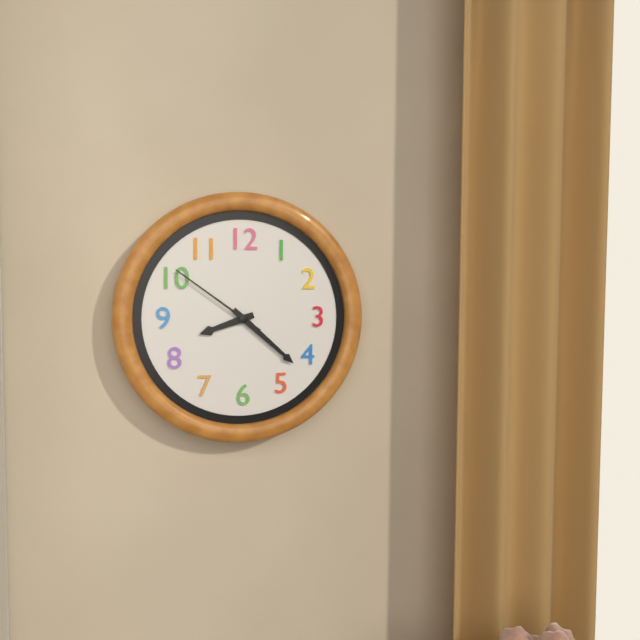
8:22:51
